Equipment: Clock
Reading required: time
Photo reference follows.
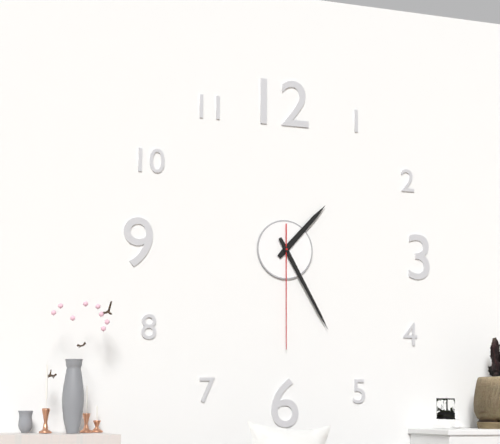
1:25:30
